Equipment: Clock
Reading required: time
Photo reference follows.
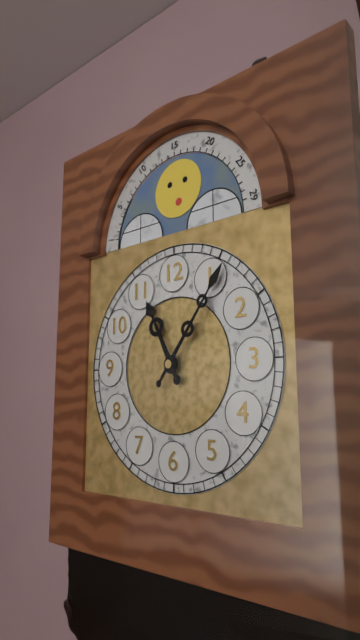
11:06
